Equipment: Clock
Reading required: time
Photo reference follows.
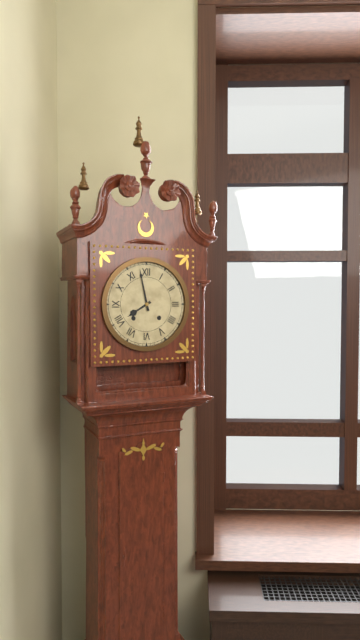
7:58
